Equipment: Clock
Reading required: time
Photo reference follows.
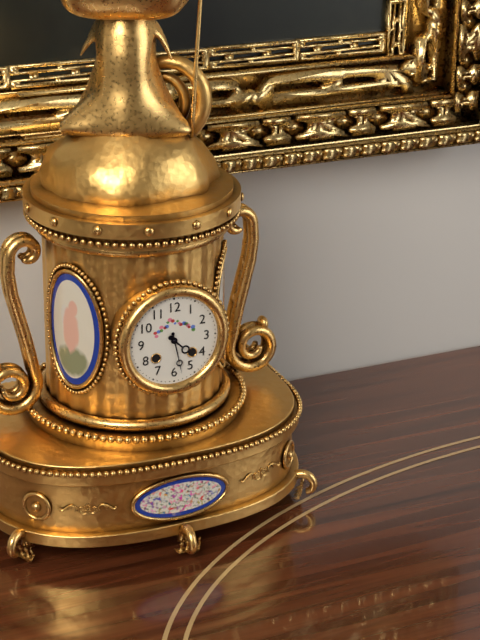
4:28
